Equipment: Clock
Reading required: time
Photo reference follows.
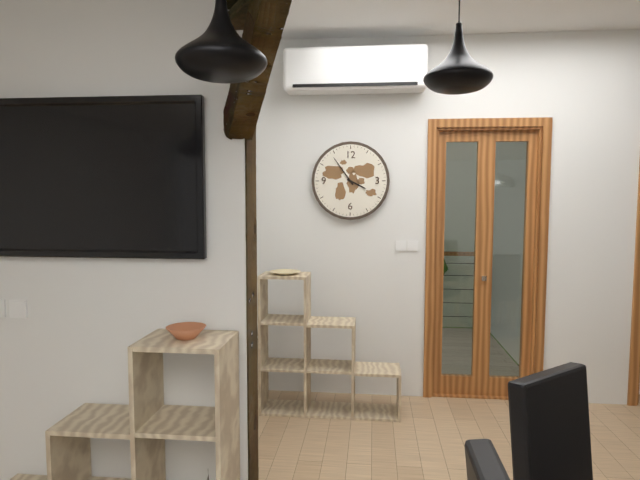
3:54
